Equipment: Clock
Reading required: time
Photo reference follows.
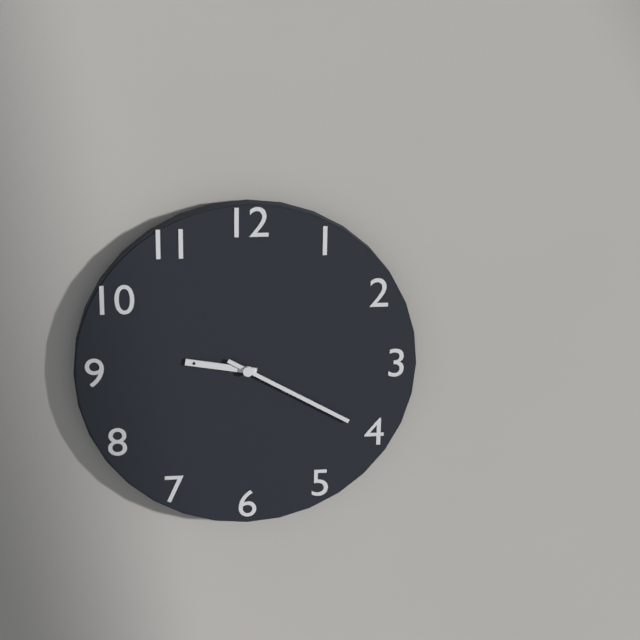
9:20
